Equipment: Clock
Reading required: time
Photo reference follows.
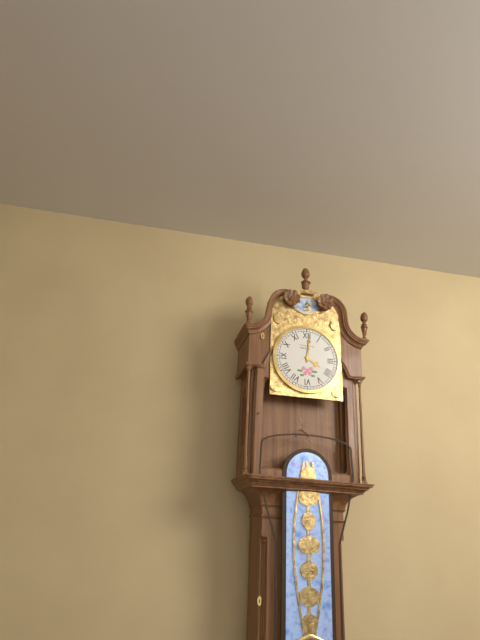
4:01
